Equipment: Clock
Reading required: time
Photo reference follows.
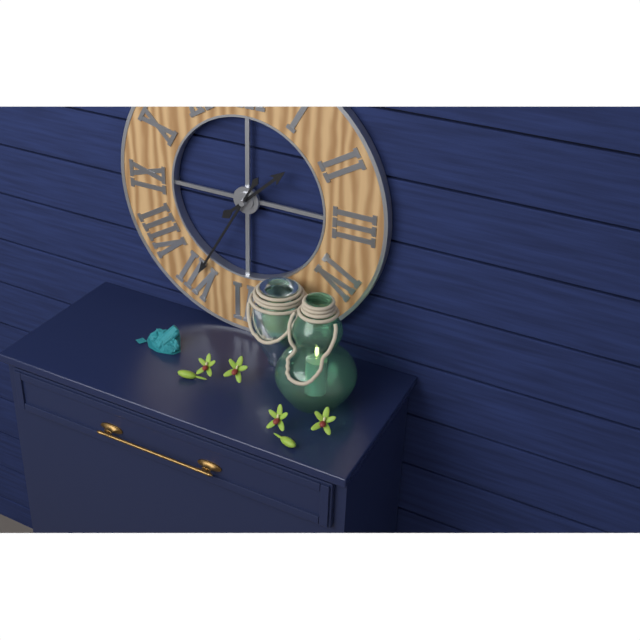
1:35
